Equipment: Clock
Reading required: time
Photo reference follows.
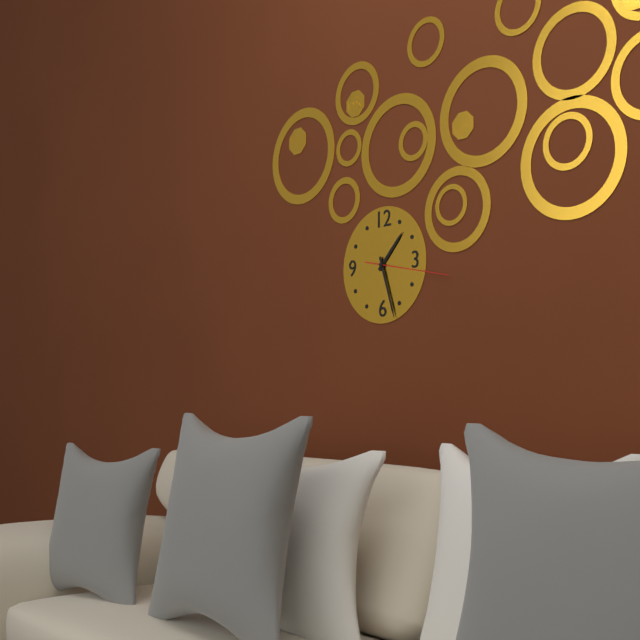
1:27:17
